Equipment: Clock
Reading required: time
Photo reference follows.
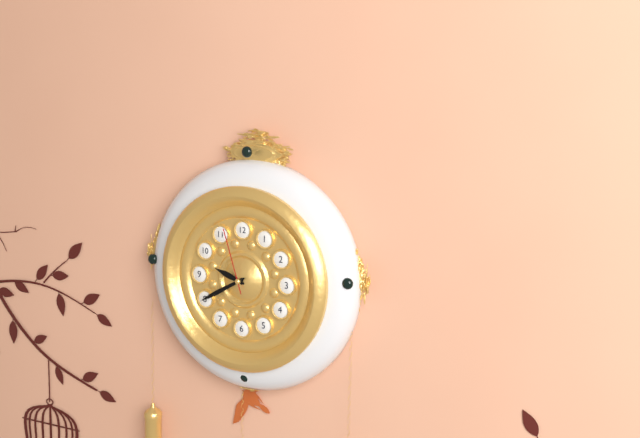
9:40:57
